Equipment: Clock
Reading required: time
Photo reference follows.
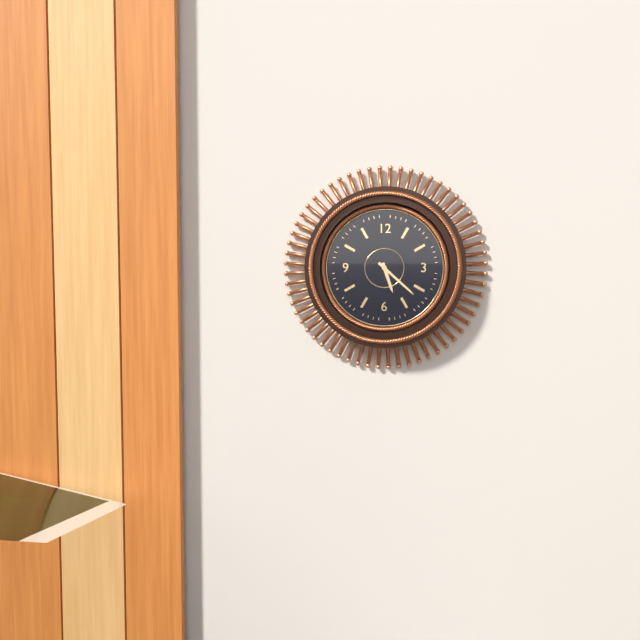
5:22
